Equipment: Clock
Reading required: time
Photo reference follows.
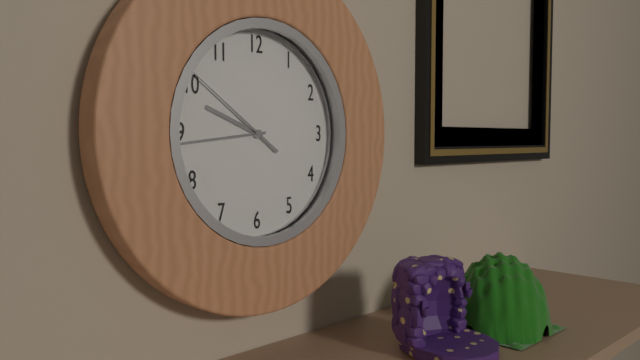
9:44:51
